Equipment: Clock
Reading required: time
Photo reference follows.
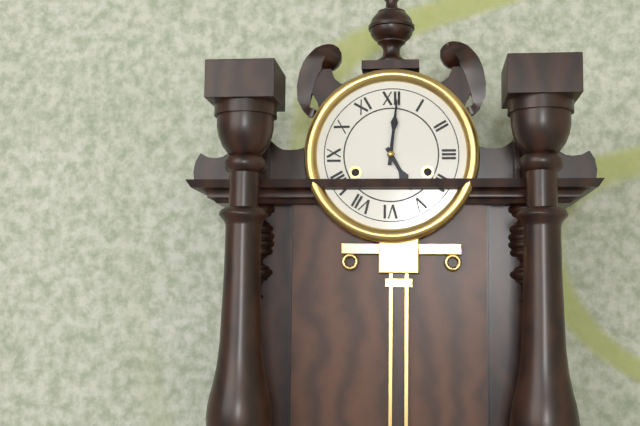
5:01
